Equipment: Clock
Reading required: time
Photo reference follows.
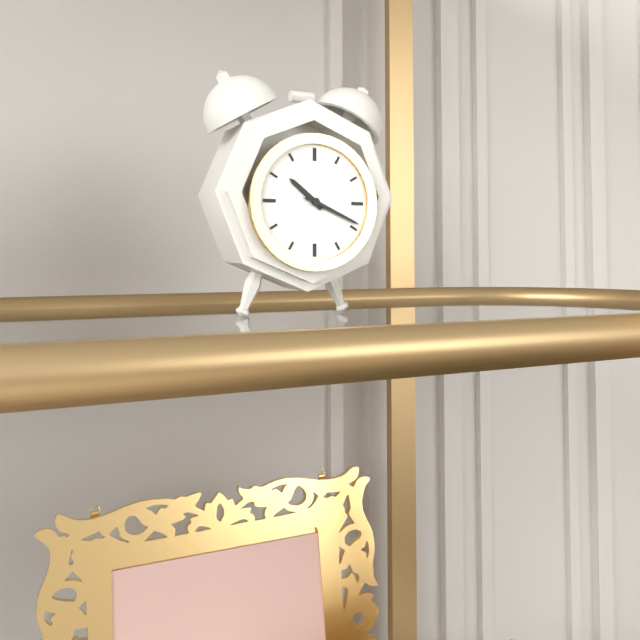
10:19
